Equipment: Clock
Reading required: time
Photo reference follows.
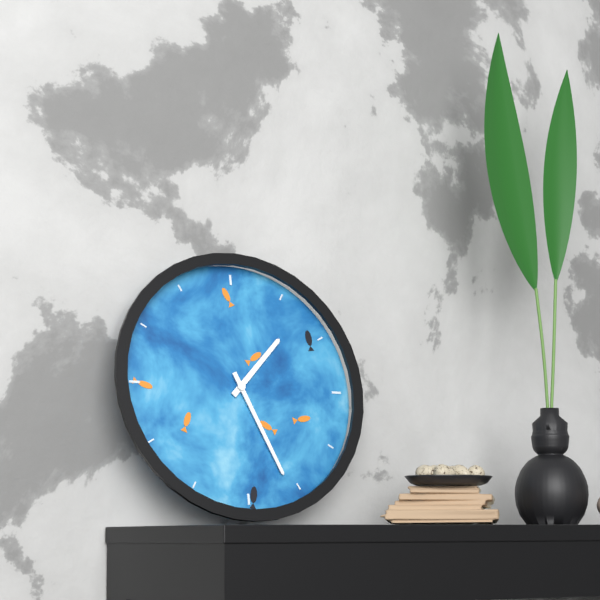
1:26
